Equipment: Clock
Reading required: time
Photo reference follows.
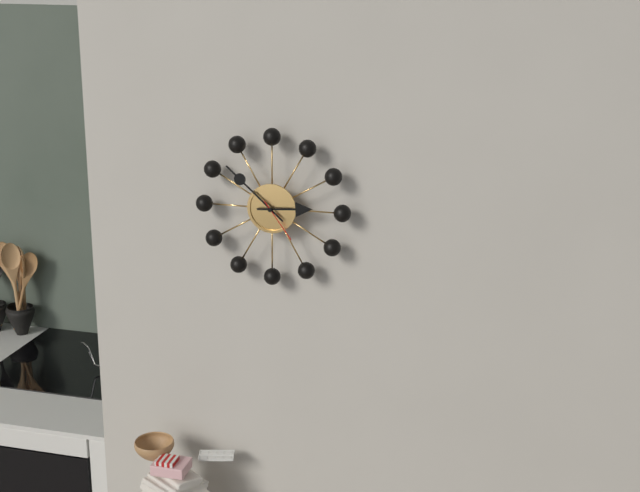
2:52
